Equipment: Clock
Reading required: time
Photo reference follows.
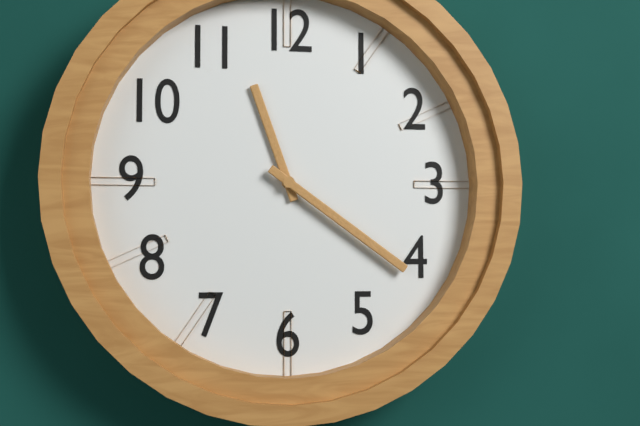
11:21
